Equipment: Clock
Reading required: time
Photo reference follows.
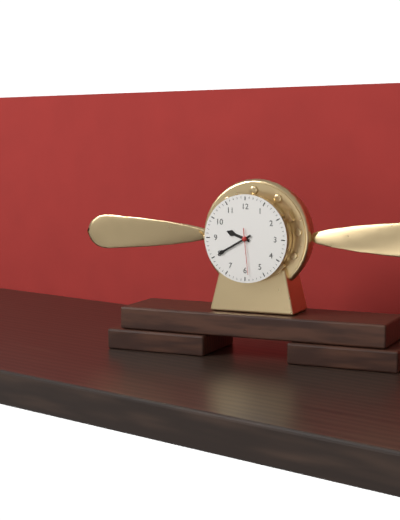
9:40
